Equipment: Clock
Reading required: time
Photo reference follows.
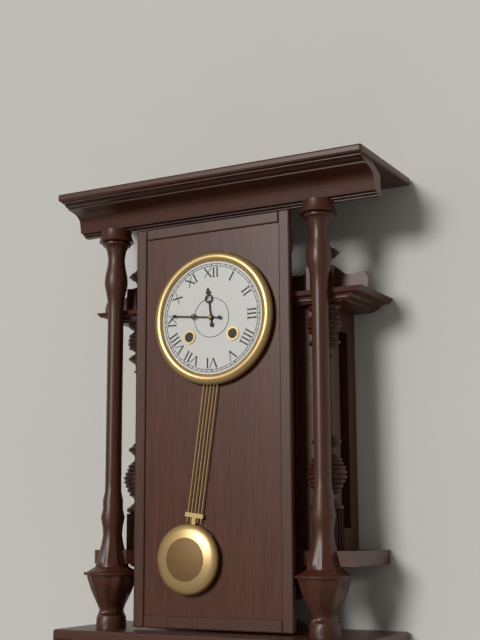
11:46
